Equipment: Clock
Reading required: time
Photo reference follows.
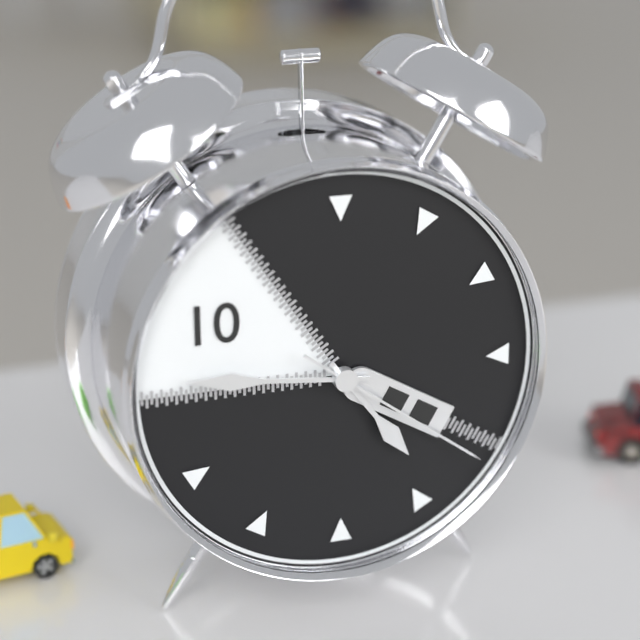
4:46:21
